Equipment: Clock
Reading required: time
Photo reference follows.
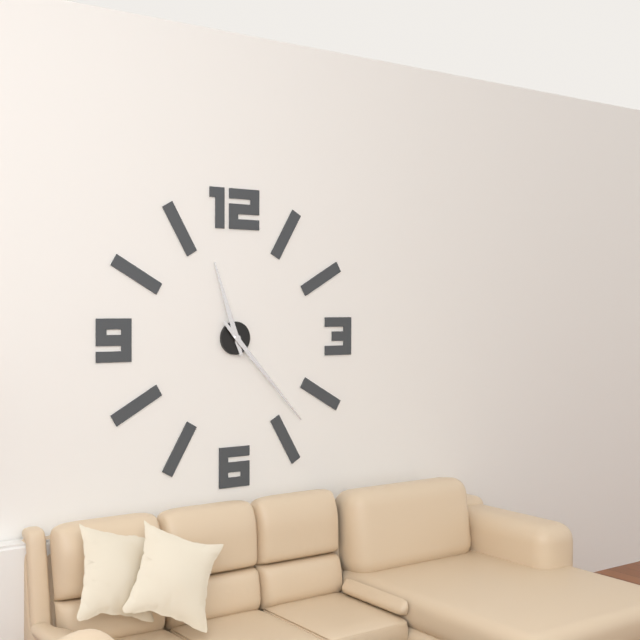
11:23
